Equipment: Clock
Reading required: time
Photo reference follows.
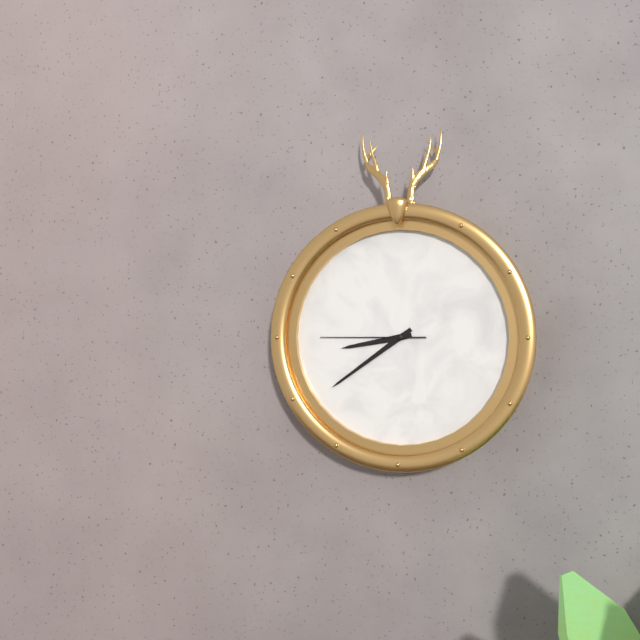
8:39:45
